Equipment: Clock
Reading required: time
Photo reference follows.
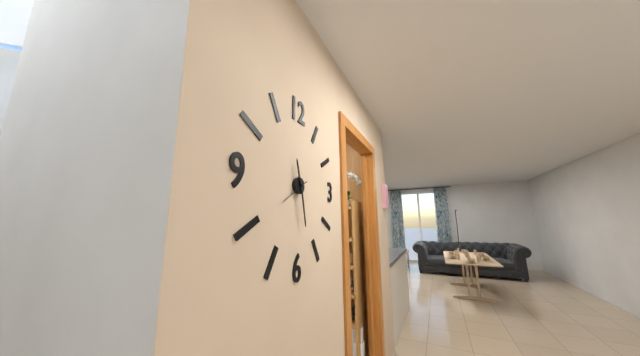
11:28
